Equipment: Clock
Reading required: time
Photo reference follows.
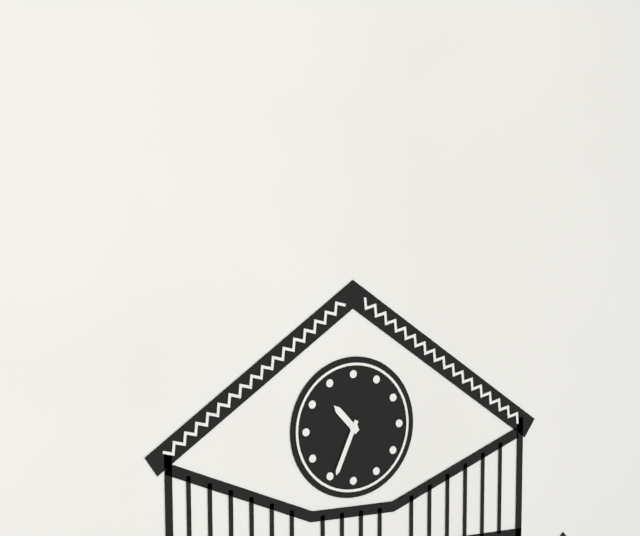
10:34
